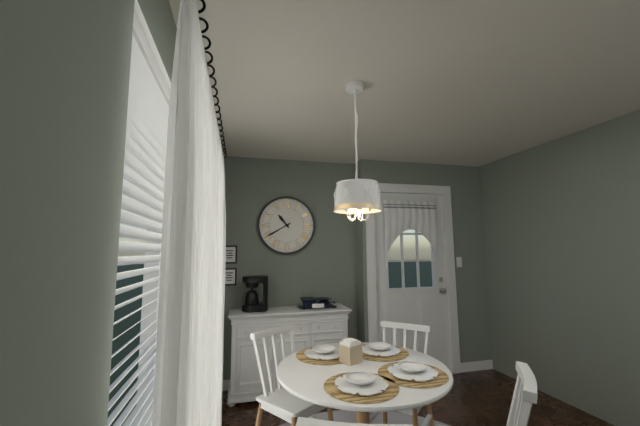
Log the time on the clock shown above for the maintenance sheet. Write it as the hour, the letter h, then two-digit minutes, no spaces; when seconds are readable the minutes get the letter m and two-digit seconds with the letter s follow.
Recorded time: 10h40
